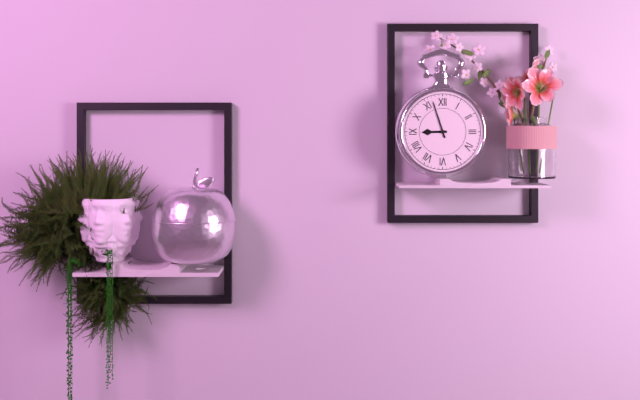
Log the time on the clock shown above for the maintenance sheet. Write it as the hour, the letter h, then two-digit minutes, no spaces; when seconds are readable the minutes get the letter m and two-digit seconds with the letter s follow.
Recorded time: 8h57
